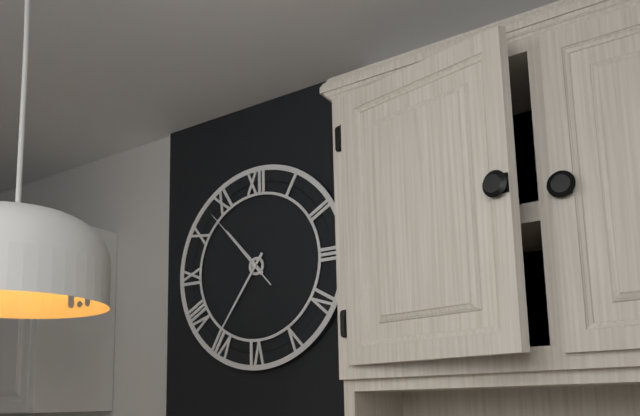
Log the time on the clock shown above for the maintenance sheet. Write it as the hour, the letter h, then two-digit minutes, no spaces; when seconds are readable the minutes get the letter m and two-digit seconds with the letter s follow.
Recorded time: 10h36m53s
